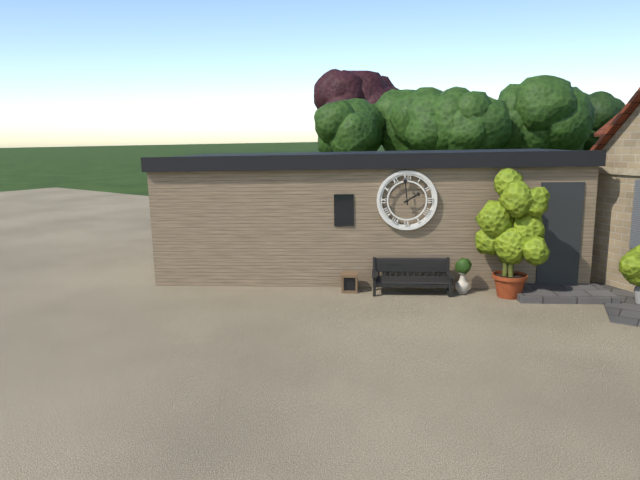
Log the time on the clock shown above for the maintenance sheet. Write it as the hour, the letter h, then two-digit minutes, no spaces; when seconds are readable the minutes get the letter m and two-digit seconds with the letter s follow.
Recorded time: 1h59
